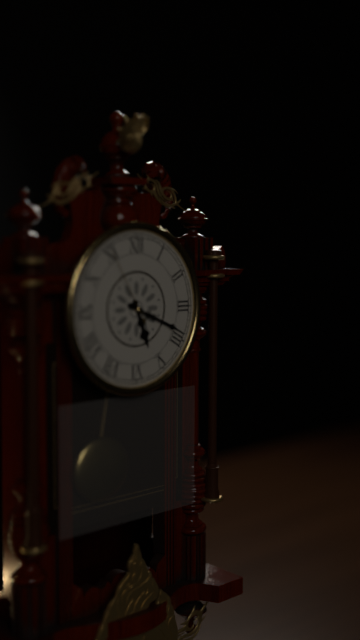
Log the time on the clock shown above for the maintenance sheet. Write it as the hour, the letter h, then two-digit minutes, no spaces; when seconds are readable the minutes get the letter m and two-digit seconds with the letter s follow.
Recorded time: 5h19m55s
